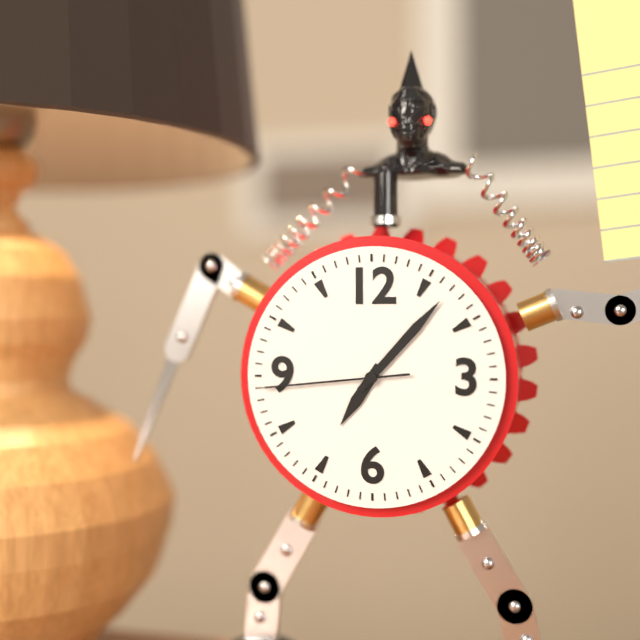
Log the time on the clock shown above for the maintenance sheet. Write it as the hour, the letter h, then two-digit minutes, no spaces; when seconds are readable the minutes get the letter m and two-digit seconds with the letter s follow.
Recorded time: 7h07m44s
